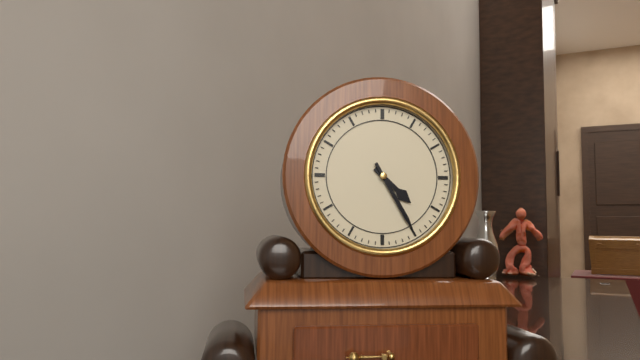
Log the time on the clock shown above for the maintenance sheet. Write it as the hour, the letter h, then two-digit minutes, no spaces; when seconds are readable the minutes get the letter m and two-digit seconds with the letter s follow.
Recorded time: 4h25
